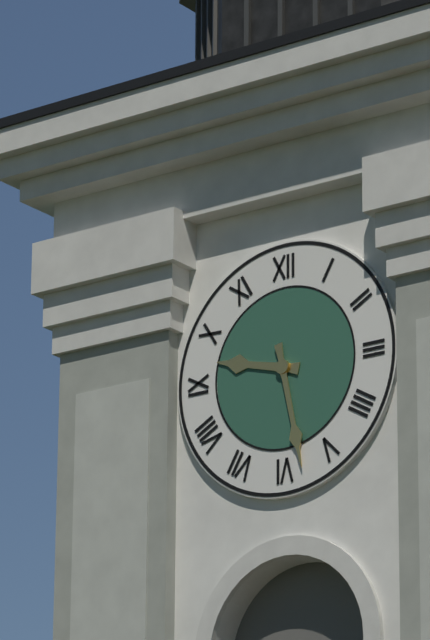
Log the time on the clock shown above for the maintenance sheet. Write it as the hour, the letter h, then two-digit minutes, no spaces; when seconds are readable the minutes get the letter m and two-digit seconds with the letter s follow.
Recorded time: 9h28
